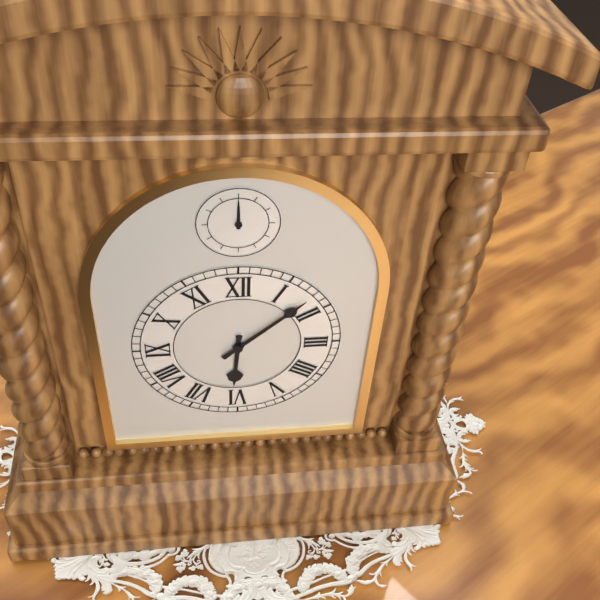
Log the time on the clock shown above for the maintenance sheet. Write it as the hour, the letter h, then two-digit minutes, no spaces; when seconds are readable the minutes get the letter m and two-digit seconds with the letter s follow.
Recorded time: 6h08
